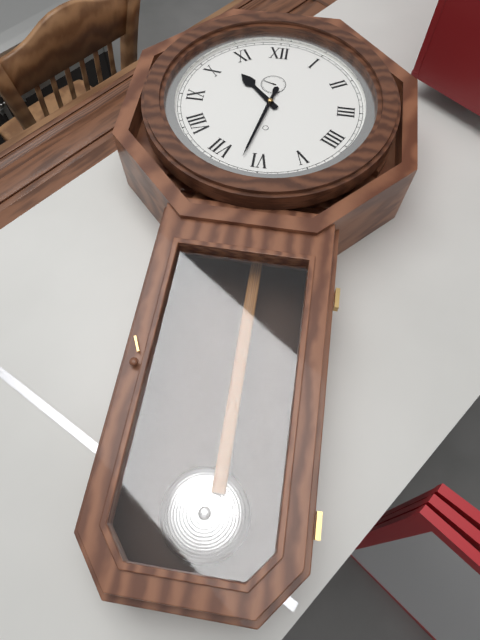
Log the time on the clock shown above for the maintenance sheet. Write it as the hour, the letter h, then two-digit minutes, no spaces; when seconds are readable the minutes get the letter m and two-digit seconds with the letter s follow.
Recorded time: 10h32
